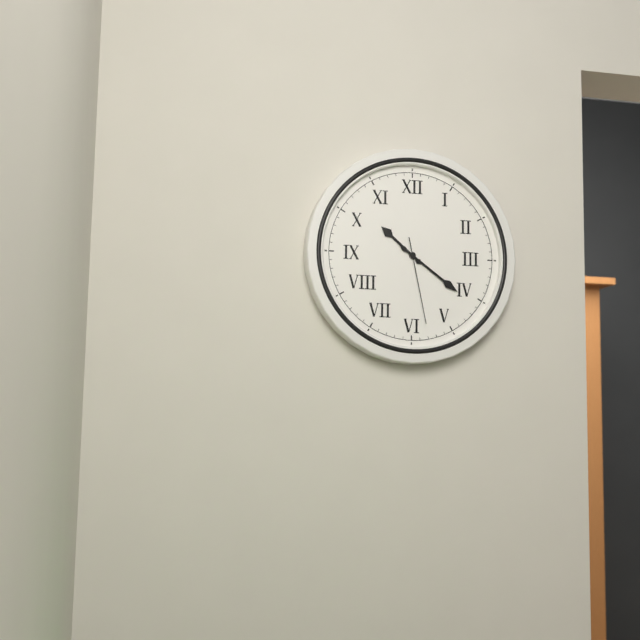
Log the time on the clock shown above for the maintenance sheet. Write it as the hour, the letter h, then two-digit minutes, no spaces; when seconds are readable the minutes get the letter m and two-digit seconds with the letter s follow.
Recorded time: 10h21m28s
